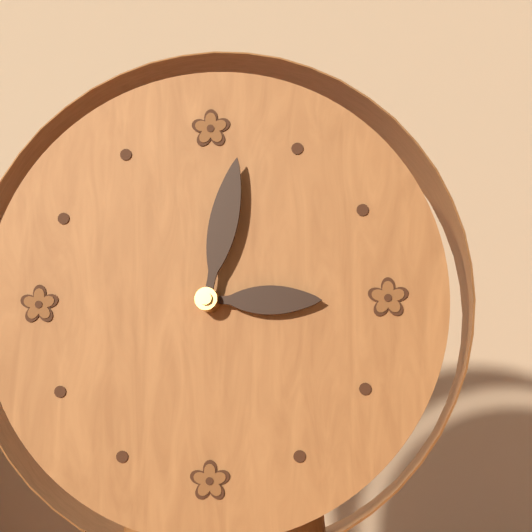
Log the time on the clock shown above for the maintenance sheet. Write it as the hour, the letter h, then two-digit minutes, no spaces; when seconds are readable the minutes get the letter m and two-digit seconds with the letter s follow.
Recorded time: 3h02
